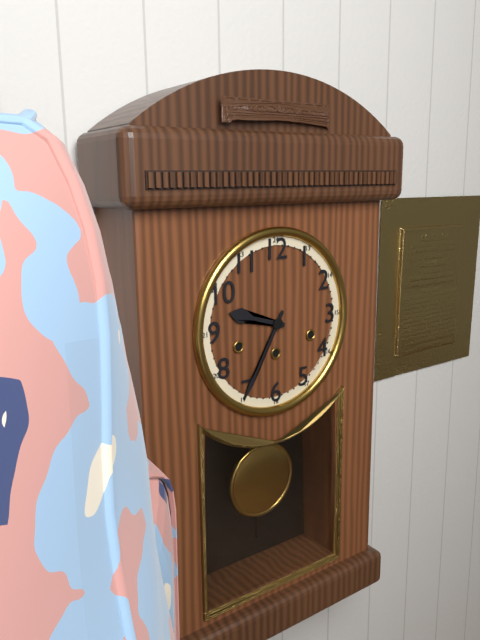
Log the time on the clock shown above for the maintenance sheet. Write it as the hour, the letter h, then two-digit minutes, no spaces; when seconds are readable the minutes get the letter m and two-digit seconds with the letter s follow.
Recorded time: 9h35
